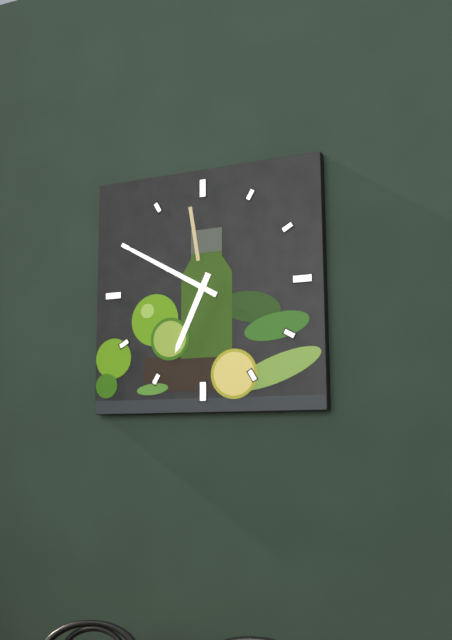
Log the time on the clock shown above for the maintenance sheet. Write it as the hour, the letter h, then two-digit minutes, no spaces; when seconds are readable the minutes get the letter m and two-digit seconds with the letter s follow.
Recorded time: 6h50
